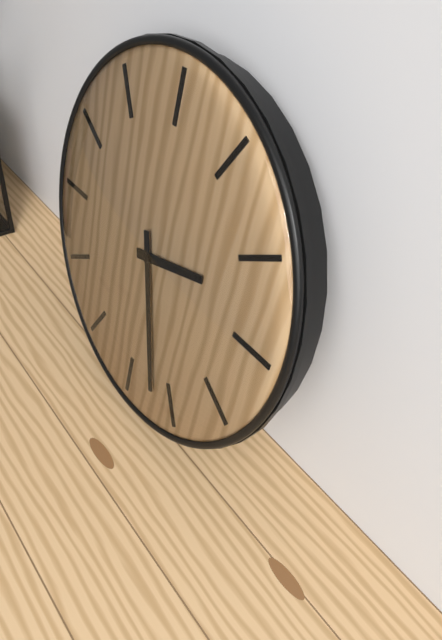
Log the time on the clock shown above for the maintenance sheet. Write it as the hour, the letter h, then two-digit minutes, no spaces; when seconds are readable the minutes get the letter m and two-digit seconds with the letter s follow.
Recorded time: 2h27
